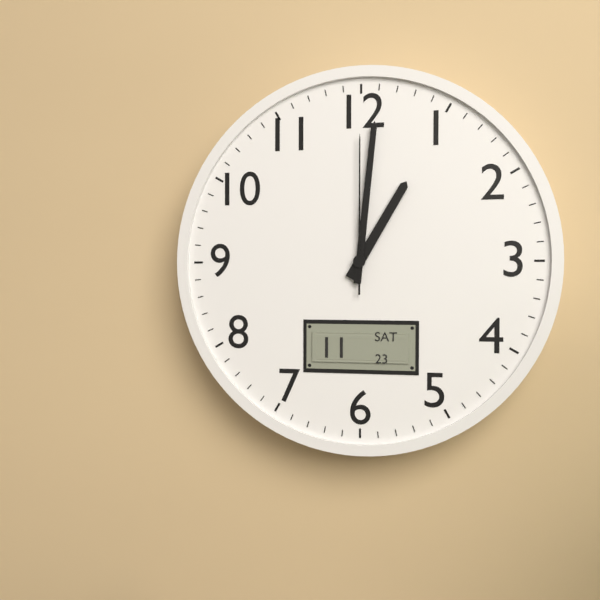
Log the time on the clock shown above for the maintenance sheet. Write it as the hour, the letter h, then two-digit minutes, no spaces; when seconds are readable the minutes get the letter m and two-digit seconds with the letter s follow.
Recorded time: 1h01m00s
